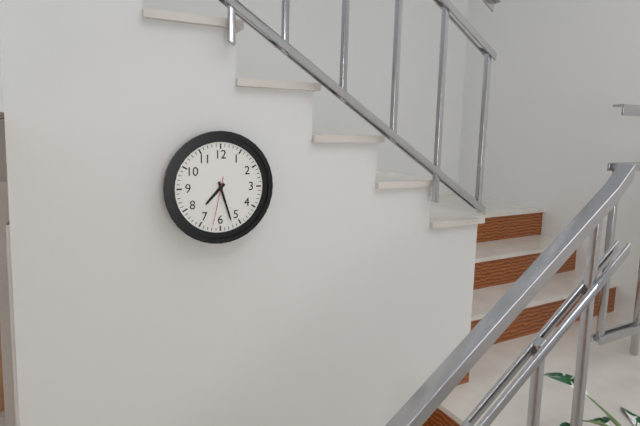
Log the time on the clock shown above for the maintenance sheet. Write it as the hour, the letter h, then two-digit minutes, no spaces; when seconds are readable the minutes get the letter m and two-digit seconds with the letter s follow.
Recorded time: 7h27
